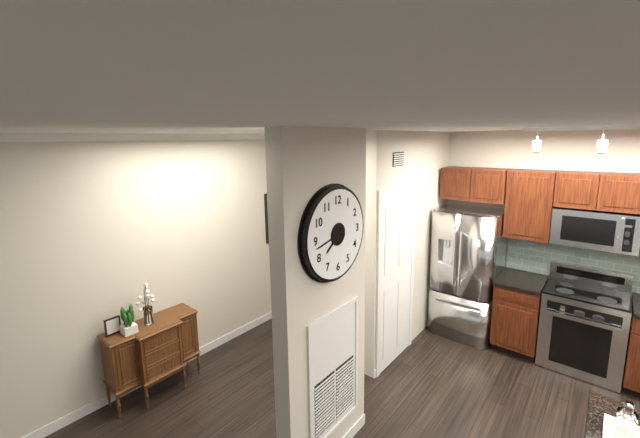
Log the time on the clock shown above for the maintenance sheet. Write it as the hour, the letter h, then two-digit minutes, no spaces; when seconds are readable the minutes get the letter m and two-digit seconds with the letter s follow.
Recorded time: 7h43
